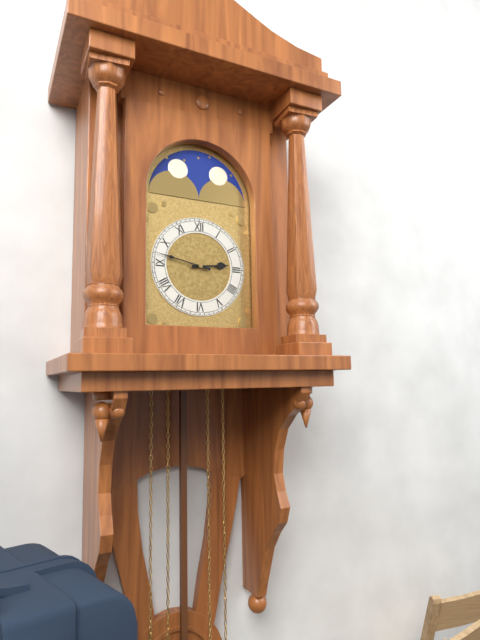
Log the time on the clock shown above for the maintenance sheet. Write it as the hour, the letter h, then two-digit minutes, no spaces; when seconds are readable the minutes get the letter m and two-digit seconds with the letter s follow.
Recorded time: 2h47
